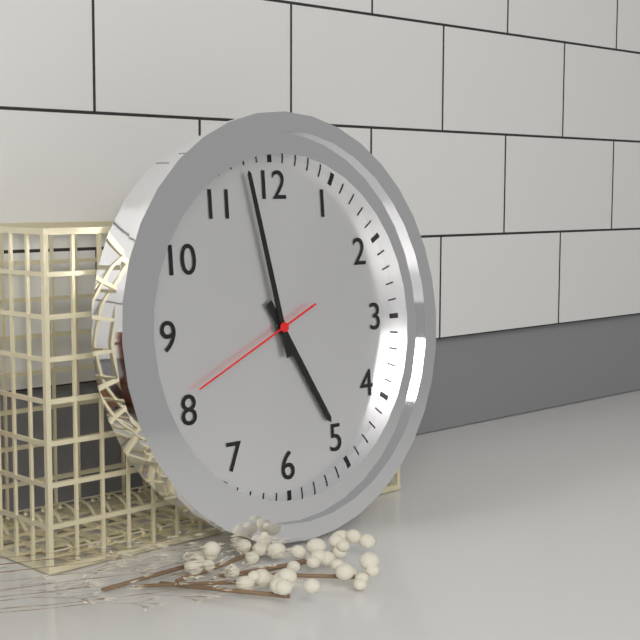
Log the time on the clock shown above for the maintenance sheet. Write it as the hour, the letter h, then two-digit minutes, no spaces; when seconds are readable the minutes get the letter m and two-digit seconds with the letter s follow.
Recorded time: 4h58m41s
